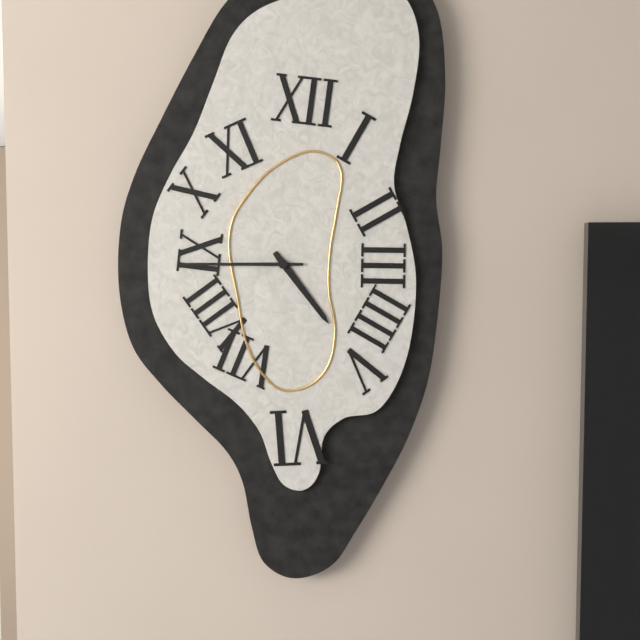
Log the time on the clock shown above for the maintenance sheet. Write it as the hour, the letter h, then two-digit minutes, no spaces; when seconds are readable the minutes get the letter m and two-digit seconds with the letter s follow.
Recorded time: 4h45
